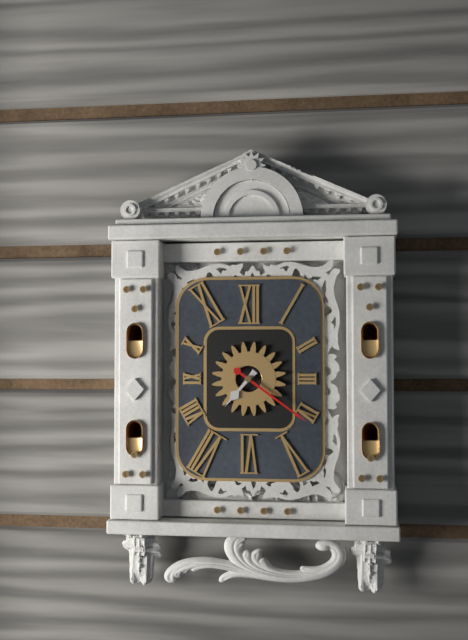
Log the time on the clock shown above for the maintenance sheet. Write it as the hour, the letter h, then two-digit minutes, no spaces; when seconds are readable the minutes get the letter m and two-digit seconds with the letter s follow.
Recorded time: 7h21
